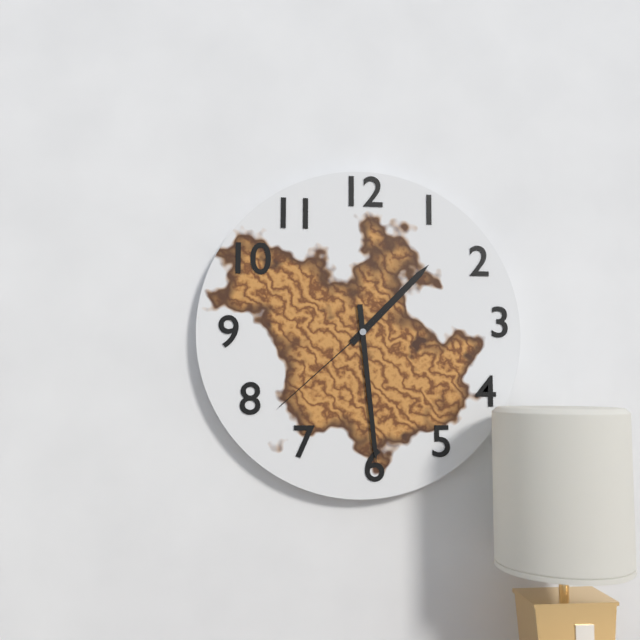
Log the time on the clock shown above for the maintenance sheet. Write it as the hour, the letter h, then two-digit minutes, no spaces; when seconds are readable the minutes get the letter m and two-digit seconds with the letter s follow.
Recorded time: 1h29m38s
